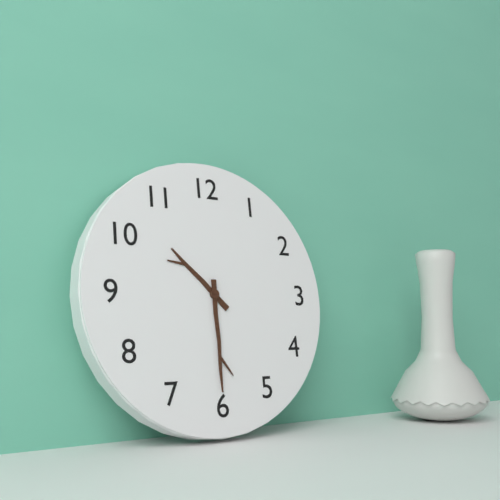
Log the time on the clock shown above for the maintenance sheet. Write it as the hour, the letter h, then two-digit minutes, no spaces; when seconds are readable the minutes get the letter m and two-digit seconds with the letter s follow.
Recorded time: 10h30
